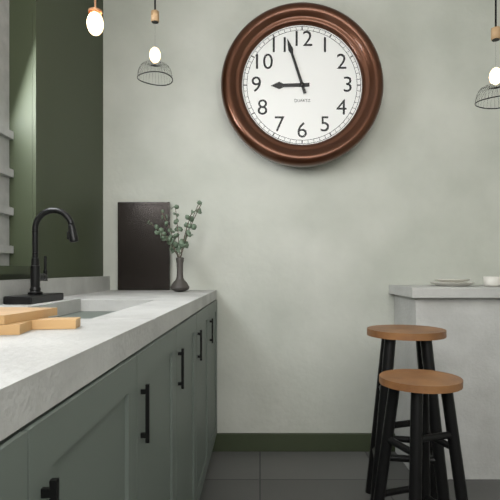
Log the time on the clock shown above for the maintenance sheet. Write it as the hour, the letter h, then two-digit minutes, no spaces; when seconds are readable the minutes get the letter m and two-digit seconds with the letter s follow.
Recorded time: 8h57
